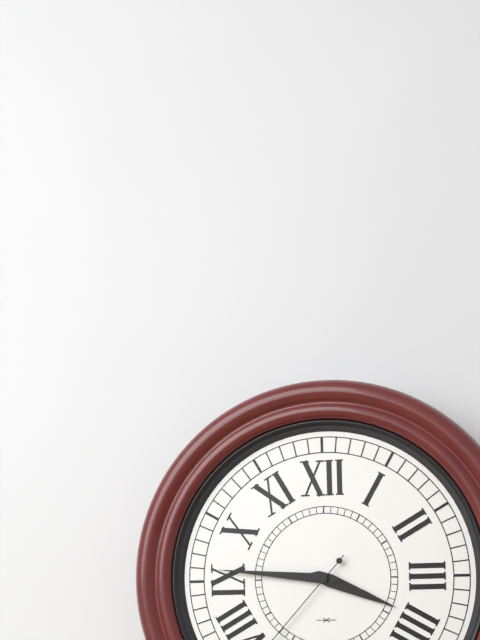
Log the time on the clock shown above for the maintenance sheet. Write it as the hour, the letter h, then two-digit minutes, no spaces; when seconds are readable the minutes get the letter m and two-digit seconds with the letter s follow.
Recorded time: 3h46
